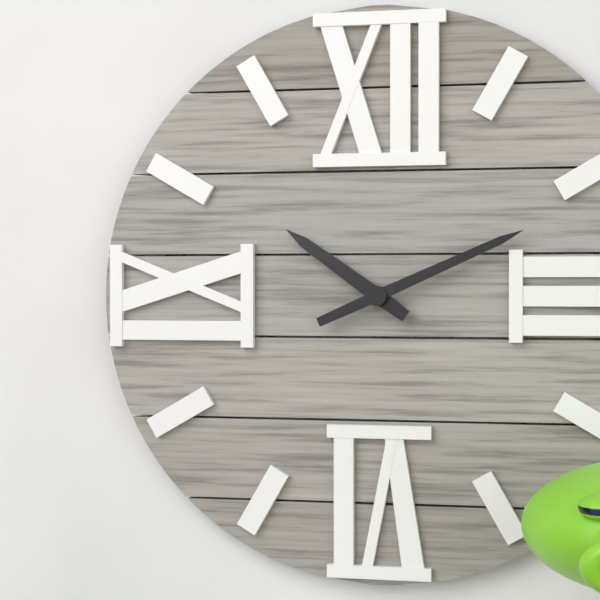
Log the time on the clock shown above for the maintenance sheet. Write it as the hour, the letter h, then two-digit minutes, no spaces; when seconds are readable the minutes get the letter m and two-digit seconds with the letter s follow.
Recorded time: 10h11
